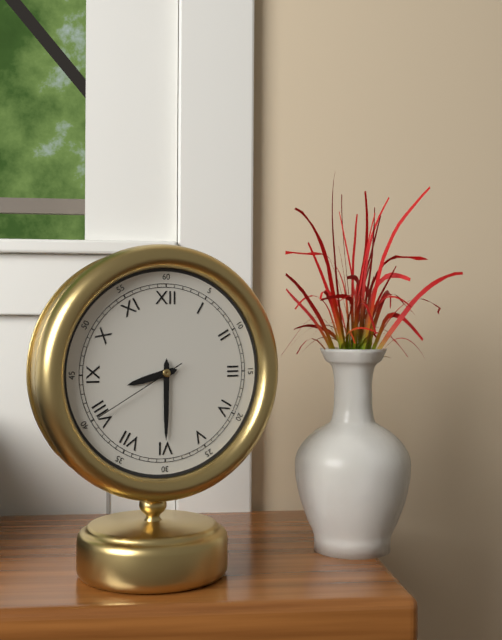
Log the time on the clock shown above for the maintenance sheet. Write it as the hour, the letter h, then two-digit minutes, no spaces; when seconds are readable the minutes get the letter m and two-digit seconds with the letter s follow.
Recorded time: 8h30m40s
